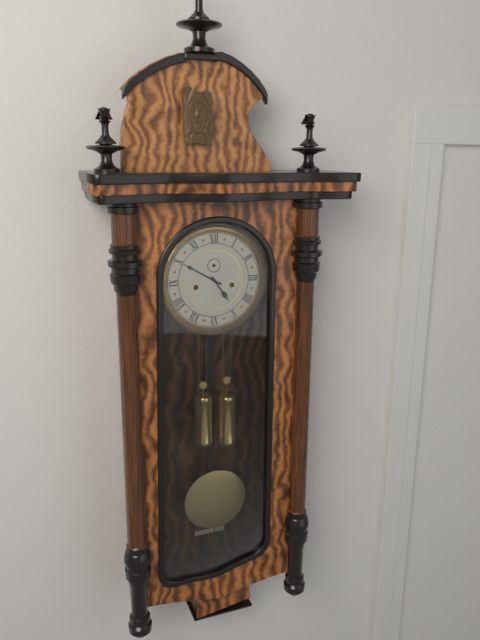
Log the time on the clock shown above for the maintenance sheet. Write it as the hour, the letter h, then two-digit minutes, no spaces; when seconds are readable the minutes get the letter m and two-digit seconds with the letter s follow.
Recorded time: 4h50
